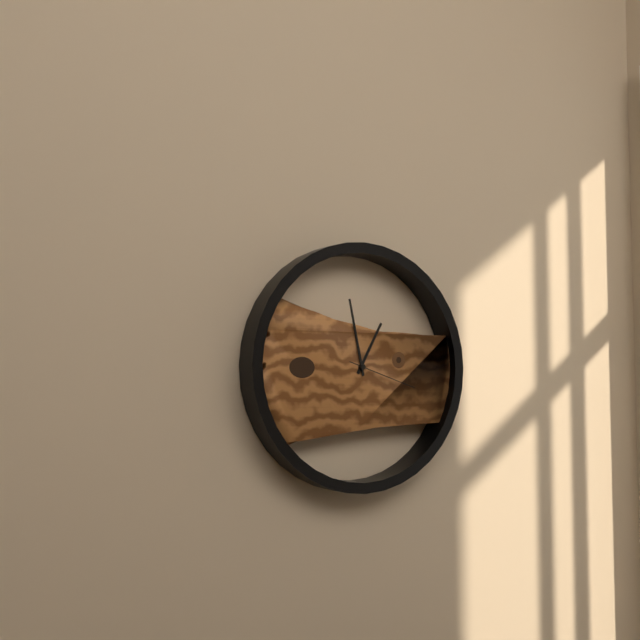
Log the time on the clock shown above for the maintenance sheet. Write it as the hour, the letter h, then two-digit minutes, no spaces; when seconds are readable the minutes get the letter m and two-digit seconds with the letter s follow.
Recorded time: 12h58m18s
